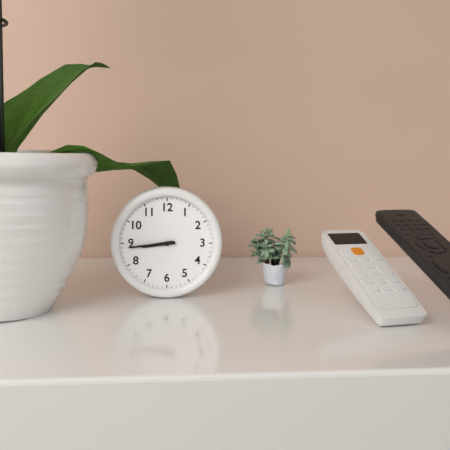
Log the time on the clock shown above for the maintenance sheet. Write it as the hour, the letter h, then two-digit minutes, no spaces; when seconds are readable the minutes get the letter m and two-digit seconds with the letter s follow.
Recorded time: 8h44
